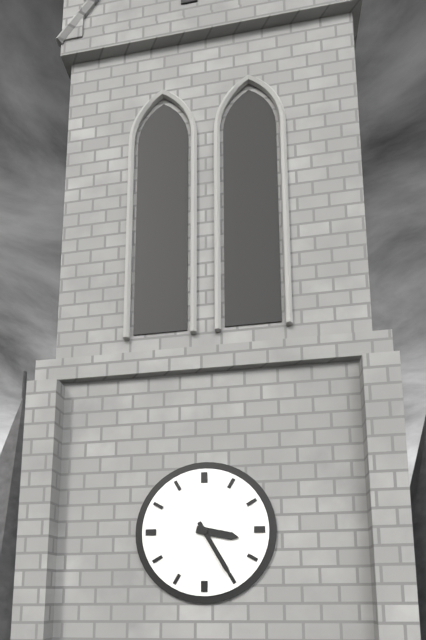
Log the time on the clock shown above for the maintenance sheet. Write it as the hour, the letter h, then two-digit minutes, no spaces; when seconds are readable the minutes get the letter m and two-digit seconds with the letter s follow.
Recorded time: 3h25
